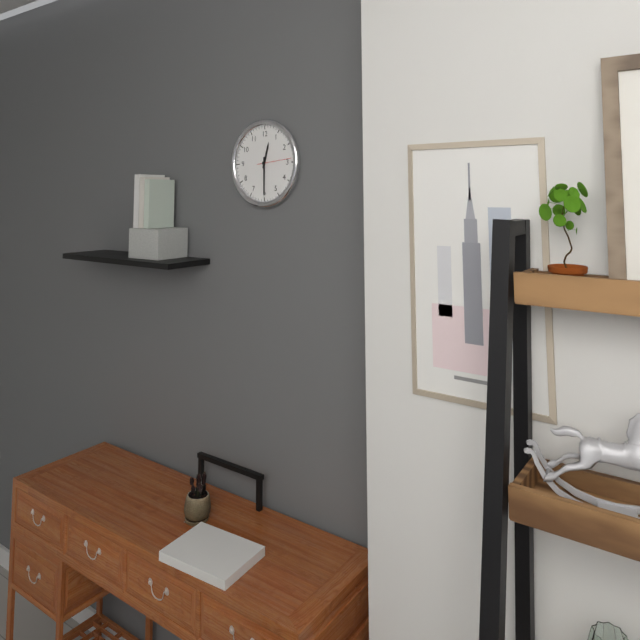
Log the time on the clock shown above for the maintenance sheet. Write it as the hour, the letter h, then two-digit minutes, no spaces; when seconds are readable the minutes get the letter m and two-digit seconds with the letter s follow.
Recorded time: 12h30
